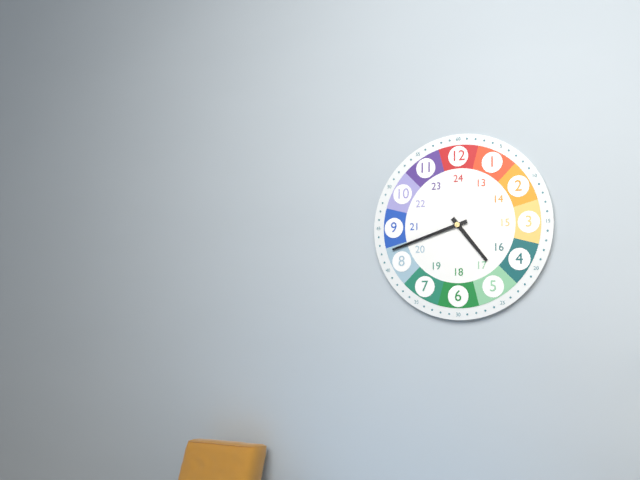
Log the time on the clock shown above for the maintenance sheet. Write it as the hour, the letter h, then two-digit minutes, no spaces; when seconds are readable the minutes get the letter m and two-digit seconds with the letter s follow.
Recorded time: 4h42
